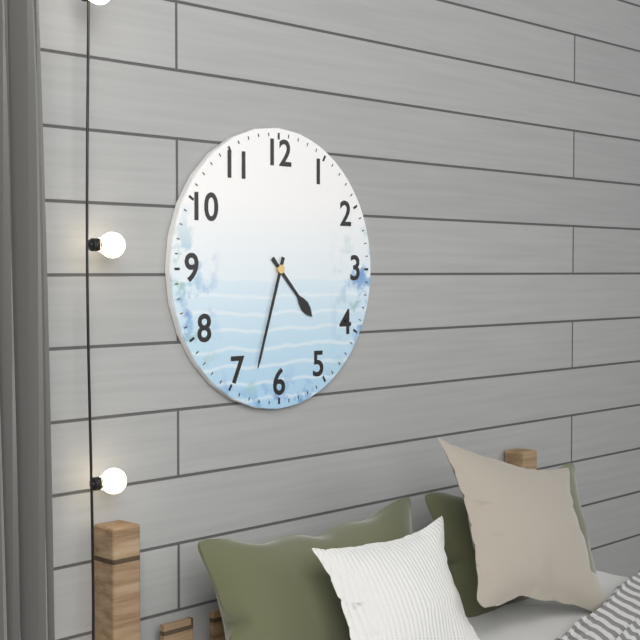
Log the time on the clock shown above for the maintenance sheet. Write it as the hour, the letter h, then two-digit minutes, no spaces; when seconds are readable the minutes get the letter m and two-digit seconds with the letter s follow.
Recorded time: 4h33
